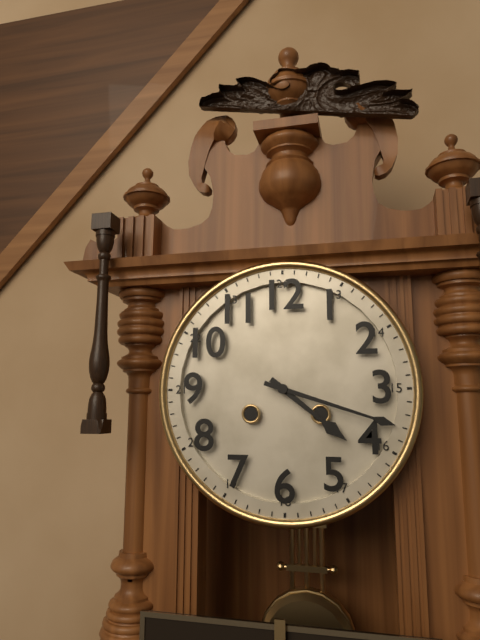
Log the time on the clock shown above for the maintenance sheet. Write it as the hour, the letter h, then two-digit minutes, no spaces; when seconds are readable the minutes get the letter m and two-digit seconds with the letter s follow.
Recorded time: 4h18
